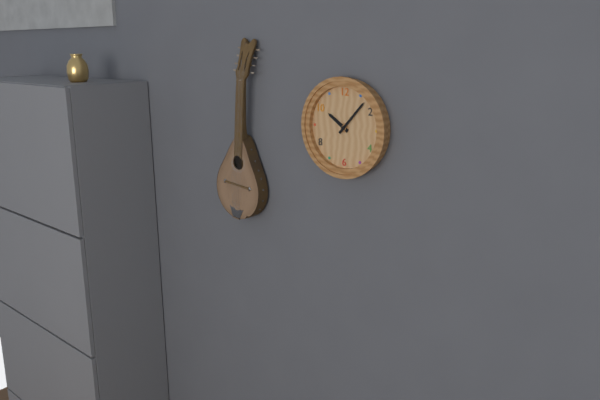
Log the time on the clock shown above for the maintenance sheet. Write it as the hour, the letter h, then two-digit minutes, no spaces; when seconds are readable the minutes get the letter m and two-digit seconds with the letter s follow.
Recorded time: 10h07
